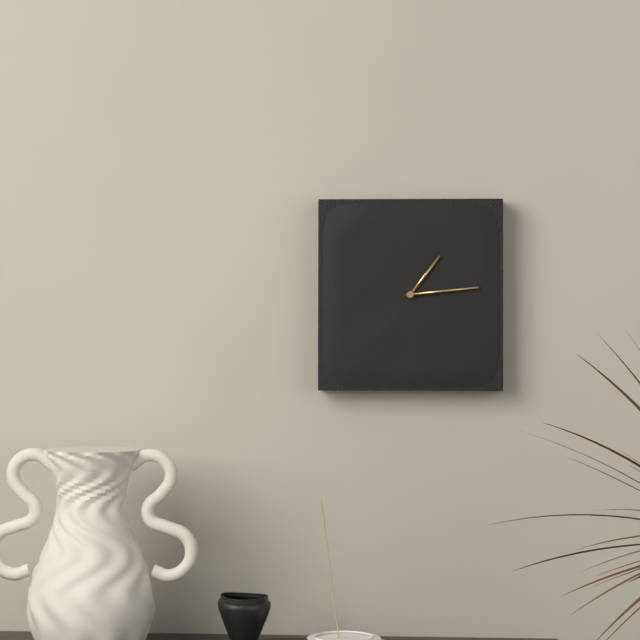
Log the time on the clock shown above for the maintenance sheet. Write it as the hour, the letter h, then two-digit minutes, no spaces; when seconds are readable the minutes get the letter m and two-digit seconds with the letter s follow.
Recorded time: 1h14
